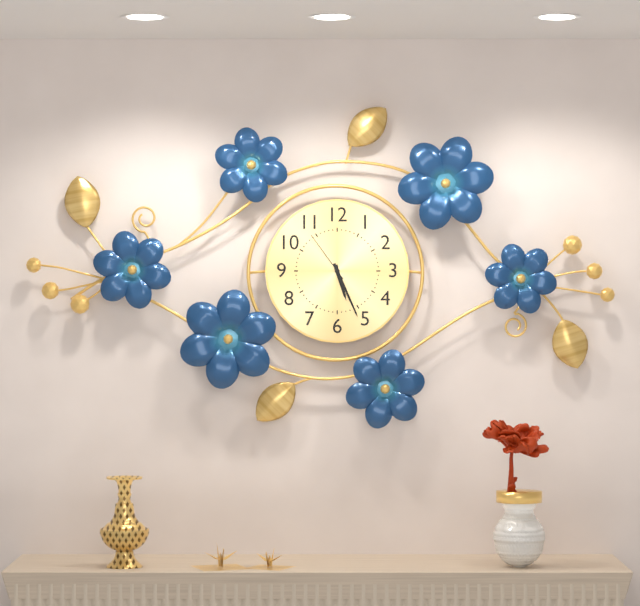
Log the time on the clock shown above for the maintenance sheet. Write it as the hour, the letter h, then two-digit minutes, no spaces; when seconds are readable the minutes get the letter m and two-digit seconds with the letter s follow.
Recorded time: 5h26m54s
